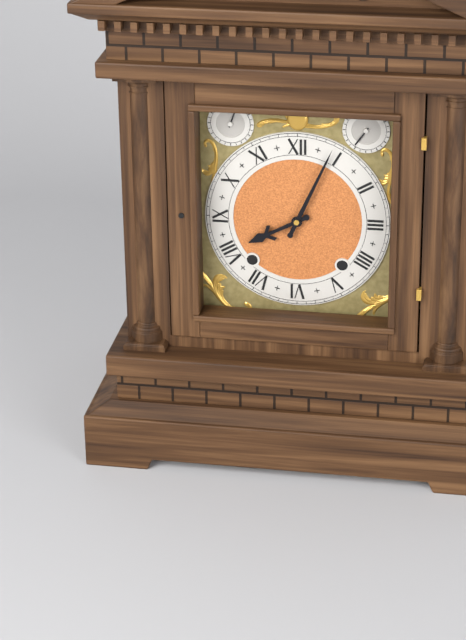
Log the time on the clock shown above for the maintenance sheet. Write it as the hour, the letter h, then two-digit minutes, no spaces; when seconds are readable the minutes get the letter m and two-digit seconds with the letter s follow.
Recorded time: 8h04
